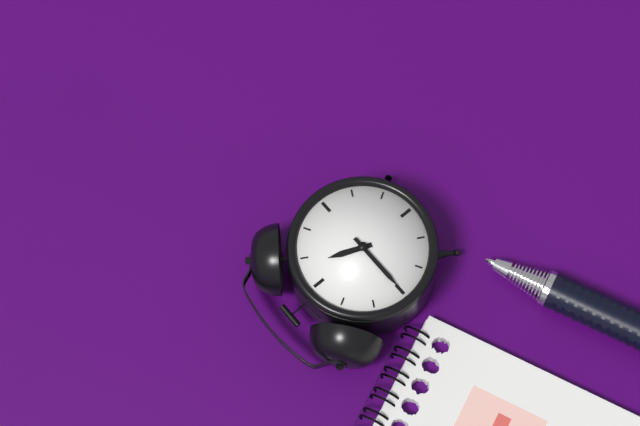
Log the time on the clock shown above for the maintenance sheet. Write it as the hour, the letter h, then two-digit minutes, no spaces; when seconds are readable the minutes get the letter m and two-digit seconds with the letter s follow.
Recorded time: 12h45
